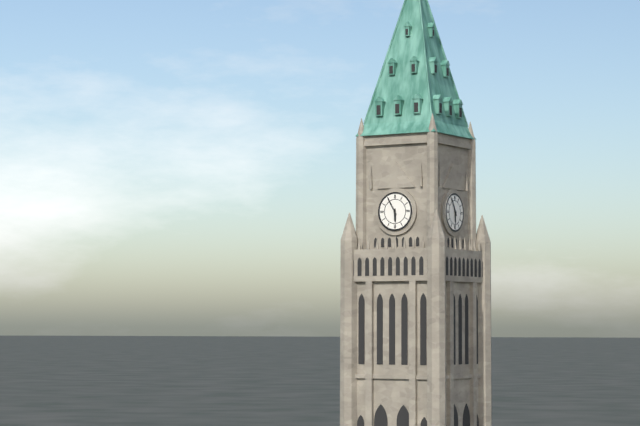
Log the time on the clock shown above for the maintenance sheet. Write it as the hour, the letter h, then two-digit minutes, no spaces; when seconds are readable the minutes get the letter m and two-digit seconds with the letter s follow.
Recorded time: 5h55
